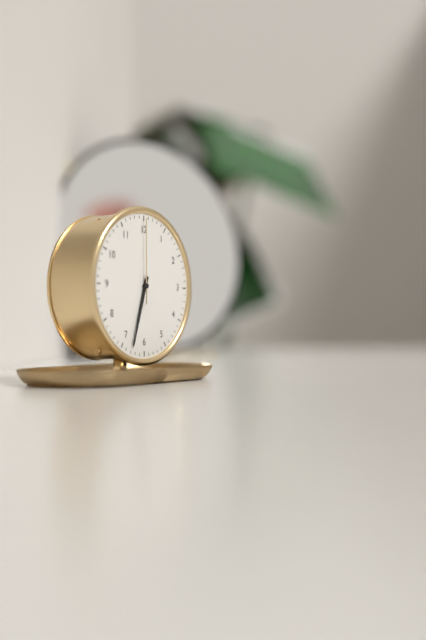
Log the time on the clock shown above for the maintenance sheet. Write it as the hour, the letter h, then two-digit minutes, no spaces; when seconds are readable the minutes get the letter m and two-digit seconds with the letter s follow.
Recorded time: 6h33m00s
